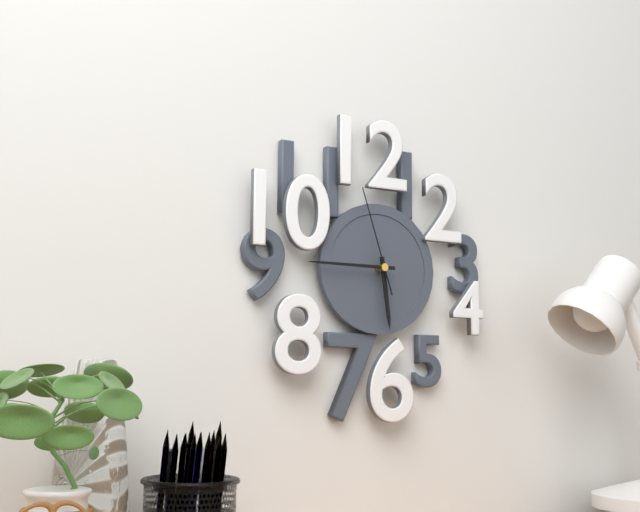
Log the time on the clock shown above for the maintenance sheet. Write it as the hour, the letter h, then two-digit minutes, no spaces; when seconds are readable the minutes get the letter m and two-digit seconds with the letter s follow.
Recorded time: 5h45m57s
